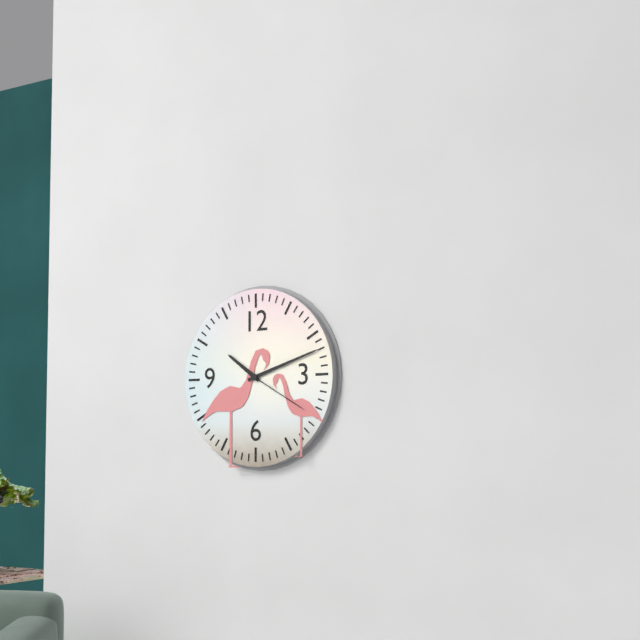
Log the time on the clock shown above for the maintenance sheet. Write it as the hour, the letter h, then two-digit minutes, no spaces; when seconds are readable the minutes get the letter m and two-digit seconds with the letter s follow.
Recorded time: 10h12m20s
